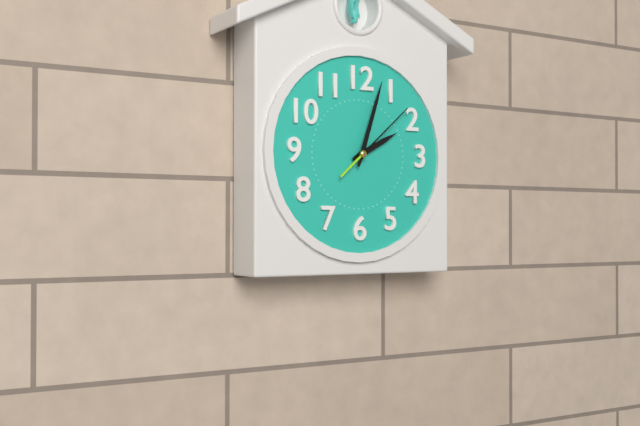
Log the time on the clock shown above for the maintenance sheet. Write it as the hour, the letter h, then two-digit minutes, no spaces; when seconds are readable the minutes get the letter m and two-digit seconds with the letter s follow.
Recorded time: 2h03m08s
